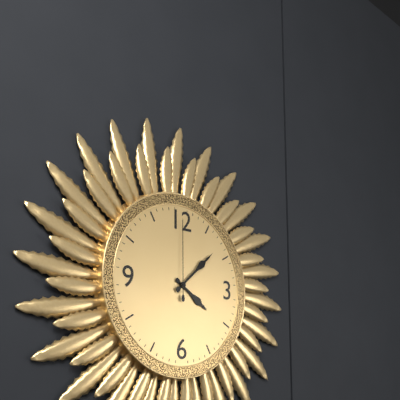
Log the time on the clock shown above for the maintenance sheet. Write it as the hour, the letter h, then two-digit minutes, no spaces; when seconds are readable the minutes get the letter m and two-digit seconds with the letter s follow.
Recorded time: 4h08m00s
